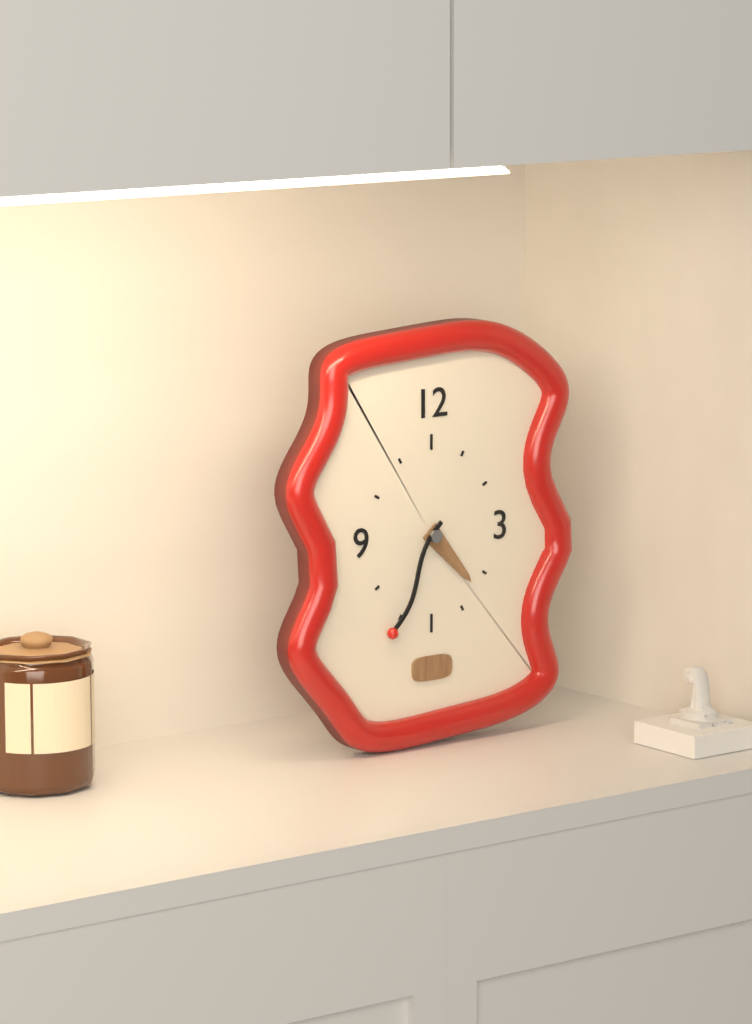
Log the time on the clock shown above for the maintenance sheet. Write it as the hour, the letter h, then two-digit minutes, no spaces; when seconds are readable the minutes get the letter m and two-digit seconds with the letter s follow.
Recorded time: 4h35
